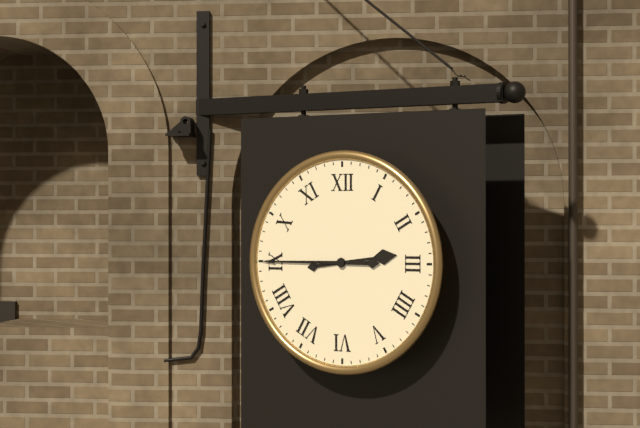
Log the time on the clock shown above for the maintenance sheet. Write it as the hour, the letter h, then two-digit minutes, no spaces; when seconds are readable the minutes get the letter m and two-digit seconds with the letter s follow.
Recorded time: 2h45
